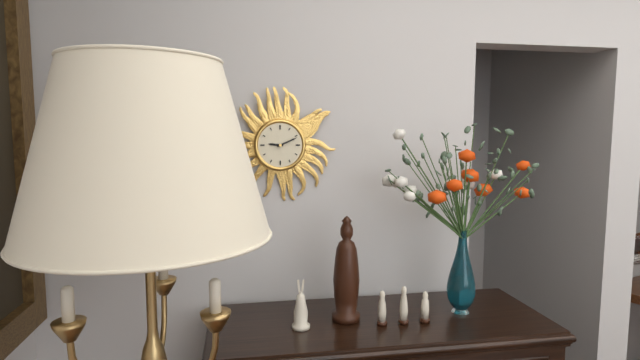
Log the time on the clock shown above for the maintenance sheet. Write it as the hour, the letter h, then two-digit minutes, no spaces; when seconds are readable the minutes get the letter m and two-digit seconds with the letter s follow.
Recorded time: 9h11
